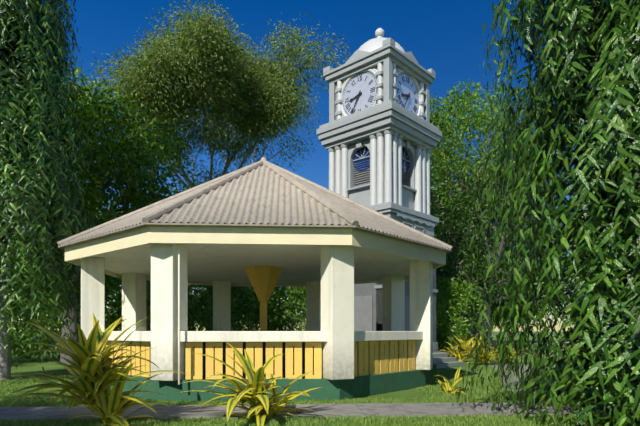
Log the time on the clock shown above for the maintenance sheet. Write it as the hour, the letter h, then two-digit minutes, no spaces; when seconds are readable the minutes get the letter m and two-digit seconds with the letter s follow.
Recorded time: 8h35
